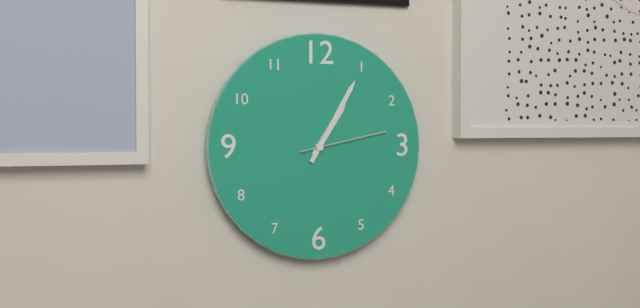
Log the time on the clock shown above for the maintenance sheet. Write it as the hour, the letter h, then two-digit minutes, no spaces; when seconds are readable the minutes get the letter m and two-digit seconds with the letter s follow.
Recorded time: 1h05m13s
